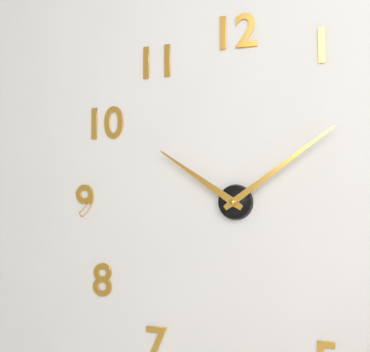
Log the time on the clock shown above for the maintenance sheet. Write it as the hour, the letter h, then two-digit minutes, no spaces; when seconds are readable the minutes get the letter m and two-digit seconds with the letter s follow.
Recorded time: 10h09
